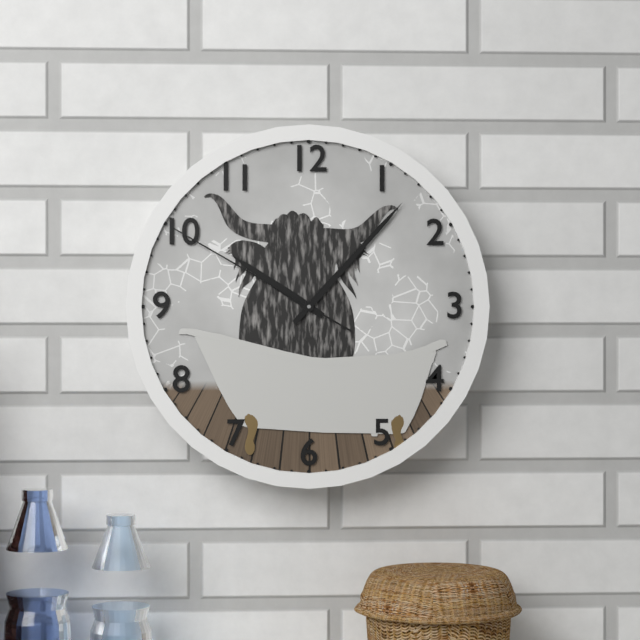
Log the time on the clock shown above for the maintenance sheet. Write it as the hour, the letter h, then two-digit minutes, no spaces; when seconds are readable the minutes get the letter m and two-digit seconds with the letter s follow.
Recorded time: 10h07m50s
